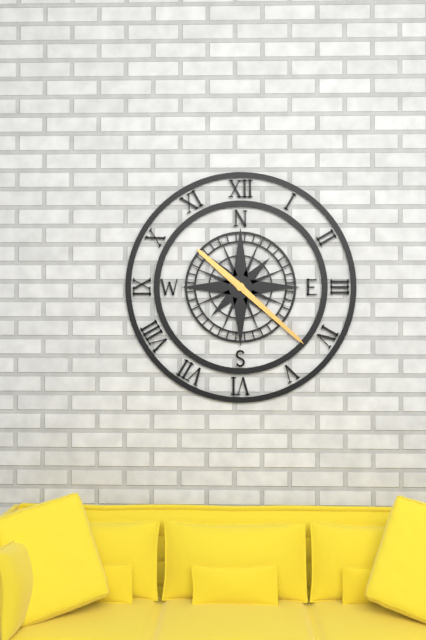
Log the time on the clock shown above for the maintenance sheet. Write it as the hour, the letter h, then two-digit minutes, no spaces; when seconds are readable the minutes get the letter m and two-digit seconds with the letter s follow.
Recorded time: 10h22
